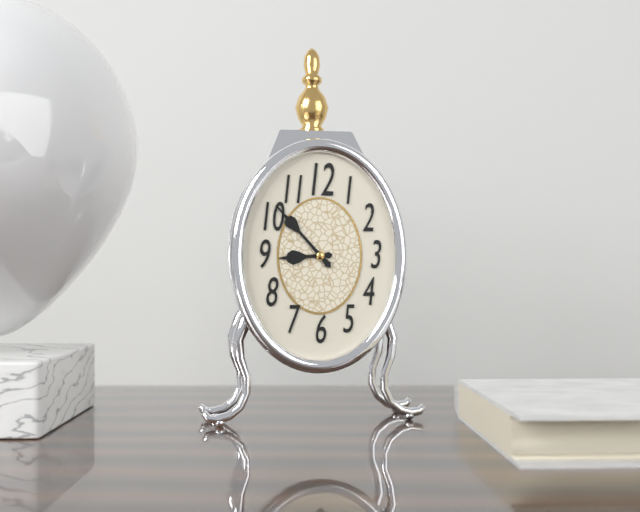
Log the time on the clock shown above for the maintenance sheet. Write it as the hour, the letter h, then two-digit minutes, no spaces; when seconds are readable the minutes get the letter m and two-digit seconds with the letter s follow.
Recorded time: 8h53
